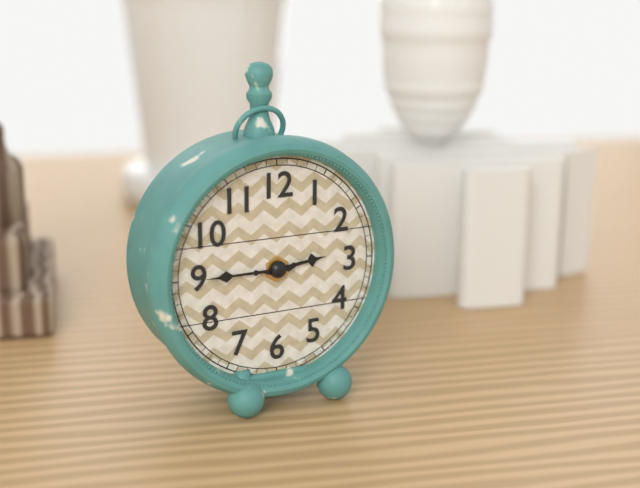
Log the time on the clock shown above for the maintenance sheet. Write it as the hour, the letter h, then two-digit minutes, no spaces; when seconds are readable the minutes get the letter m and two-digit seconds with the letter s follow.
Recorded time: 2h45
